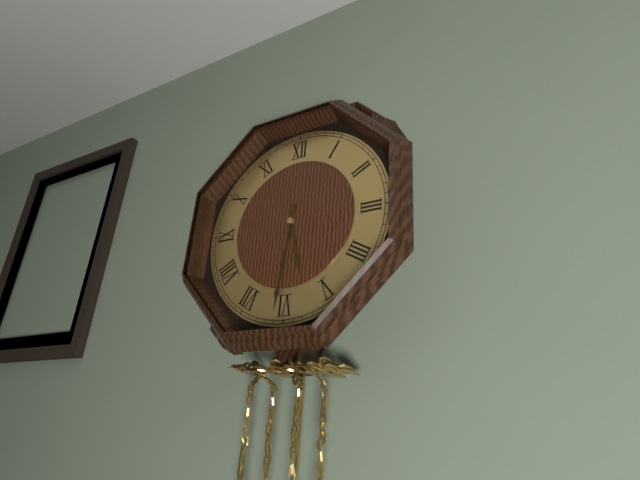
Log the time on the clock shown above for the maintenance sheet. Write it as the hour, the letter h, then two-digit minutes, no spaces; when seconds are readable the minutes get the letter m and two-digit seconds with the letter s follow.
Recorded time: 5h31
